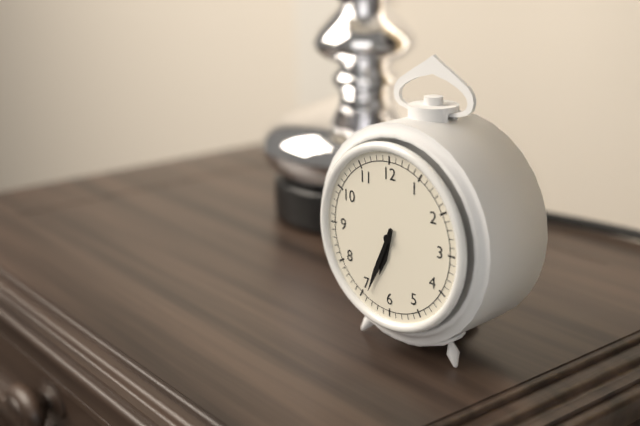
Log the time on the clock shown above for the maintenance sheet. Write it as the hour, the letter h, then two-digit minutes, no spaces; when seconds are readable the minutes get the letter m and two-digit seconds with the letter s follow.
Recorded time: 6h34
